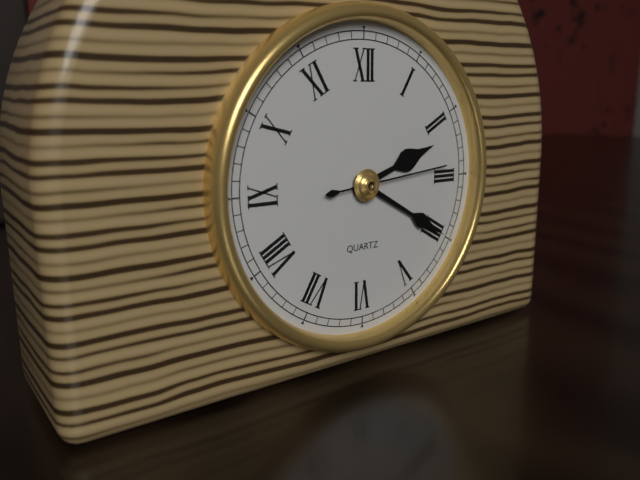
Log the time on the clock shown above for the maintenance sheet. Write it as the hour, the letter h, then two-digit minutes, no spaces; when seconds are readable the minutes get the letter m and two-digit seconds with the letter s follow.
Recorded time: 2h20m14s
